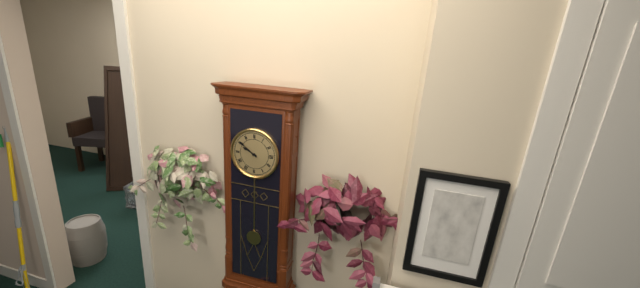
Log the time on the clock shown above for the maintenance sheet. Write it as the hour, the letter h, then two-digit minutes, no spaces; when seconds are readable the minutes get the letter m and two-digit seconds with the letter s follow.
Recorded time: 9h51
